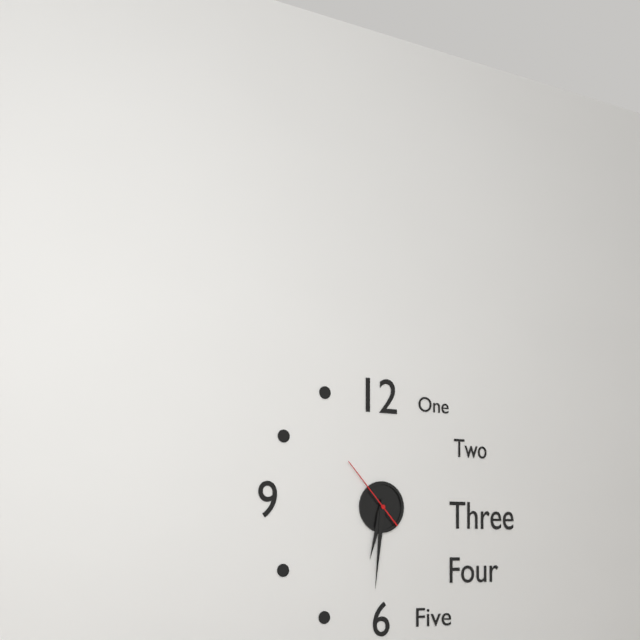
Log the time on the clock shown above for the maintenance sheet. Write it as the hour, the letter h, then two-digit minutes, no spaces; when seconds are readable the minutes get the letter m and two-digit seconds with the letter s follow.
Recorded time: 6h31m53s
